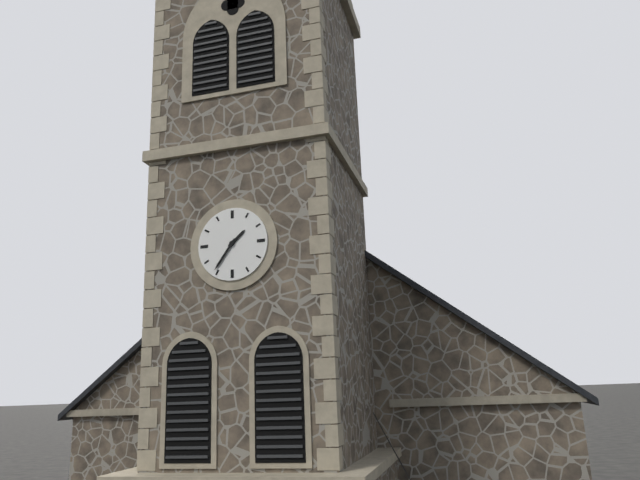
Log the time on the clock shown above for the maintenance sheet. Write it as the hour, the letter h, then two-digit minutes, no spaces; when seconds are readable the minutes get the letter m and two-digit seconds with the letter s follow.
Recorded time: 1h36
